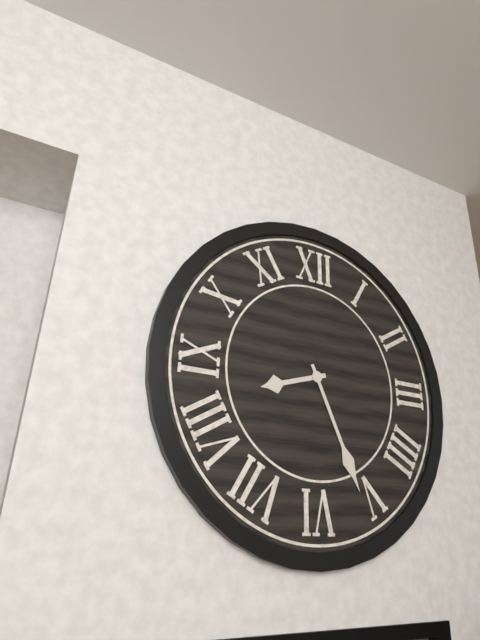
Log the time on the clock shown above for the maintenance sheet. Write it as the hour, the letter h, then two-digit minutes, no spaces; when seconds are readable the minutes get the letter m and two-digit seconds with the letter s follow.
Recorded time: 8h26
